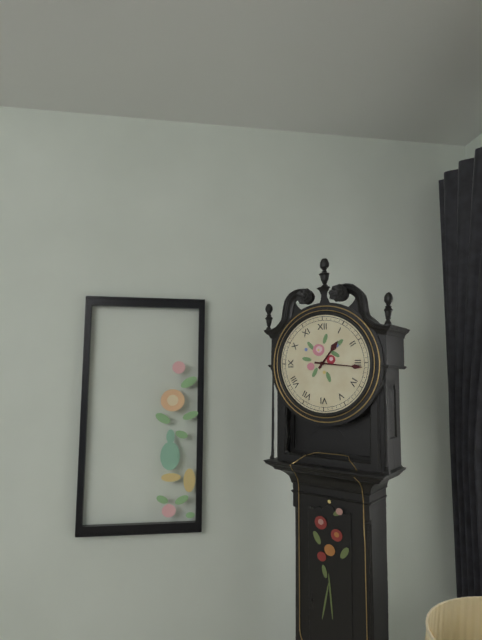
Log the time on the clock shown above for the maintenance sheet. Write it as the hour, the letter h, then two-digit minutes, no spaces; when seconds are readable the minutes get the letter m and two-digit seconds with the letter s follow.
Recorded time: 1h16
